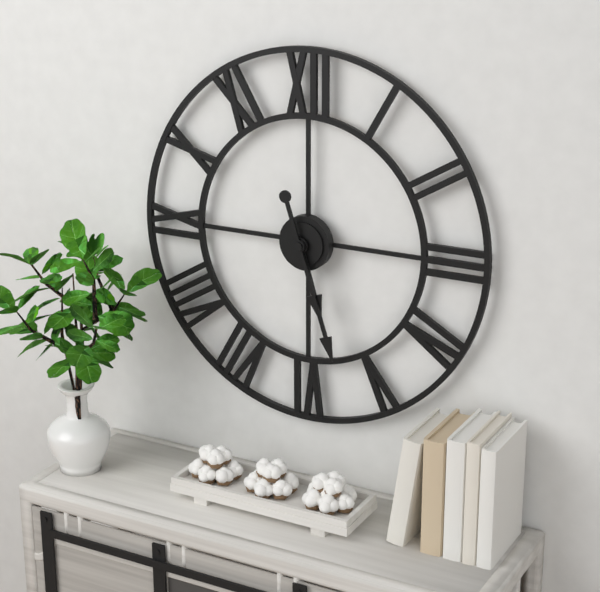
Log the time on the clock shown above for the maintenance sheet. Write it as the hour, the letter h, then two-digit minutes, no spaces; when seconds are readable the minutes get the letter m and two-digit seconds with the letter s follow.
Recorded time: 5h27
